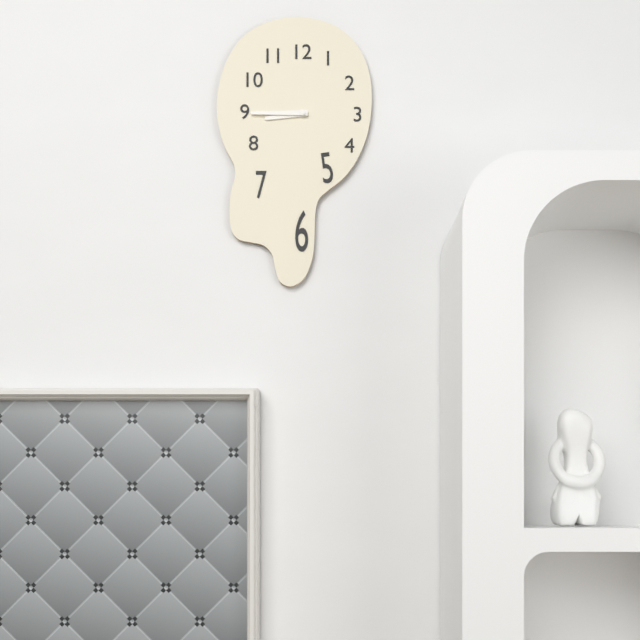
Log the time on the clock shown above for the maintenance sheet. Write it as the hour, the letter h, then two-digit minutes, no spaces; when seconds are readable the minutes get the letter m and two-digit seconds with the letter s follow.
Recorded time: 8h45
